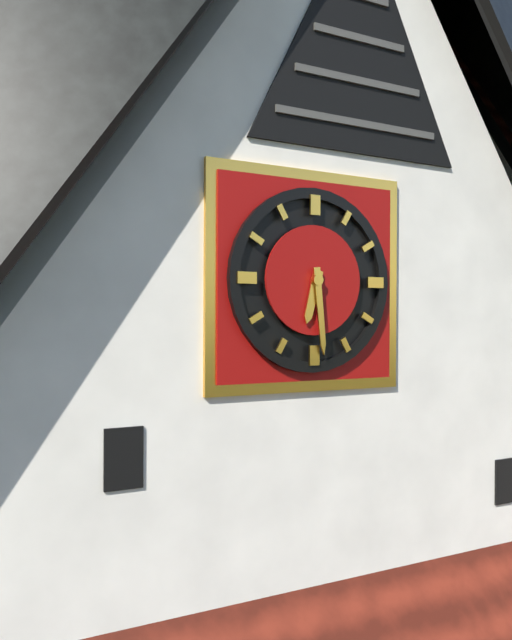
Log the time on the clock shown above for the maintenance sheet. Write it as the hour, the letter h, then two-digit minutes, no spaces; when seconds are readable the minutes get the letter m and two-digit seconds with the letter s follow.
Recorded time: 6h29
